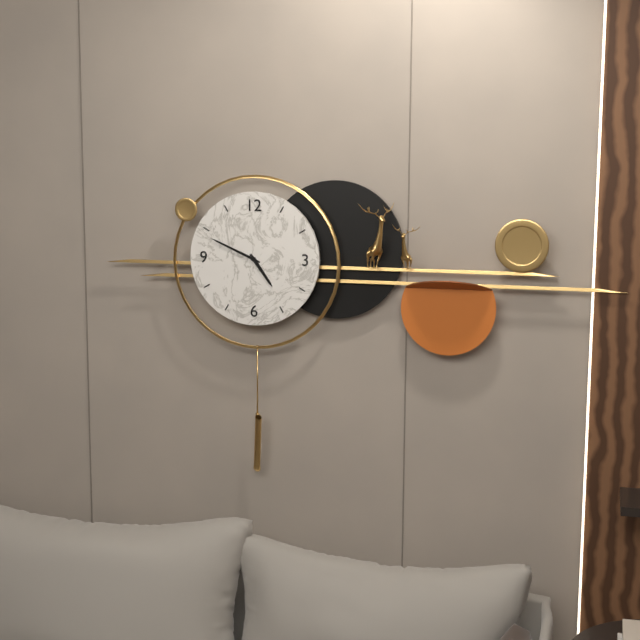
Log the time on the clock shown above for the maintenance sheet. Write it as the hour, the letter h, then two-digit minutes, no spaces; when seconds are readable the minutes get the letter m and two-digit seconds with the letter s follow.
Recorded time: 4h49
